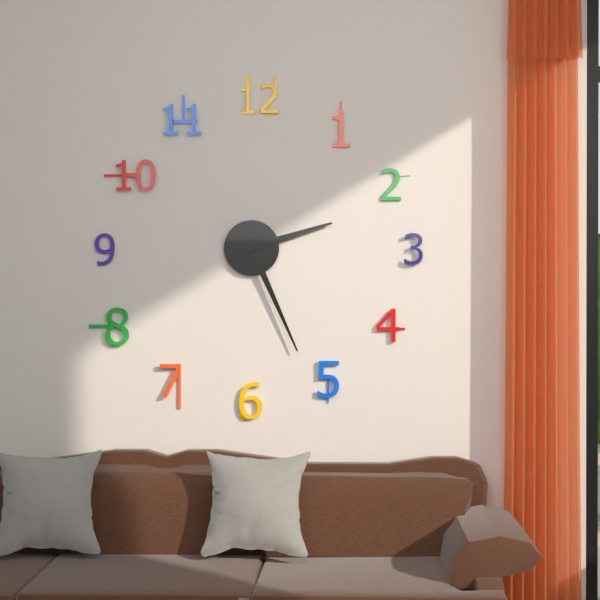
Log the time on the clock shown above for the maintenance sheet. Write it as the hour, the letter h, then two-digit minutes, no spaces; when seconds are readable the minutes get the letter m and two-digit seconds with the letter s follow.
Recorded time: 2h26
